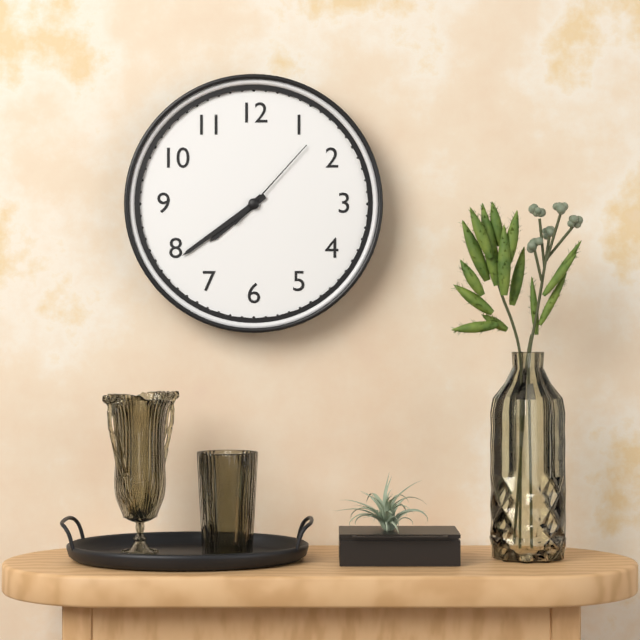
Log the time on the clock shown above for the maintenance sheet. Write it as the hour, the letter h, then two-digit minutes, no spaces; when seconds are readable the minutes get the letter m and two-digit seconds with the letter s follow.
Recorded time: 7h39m07s
